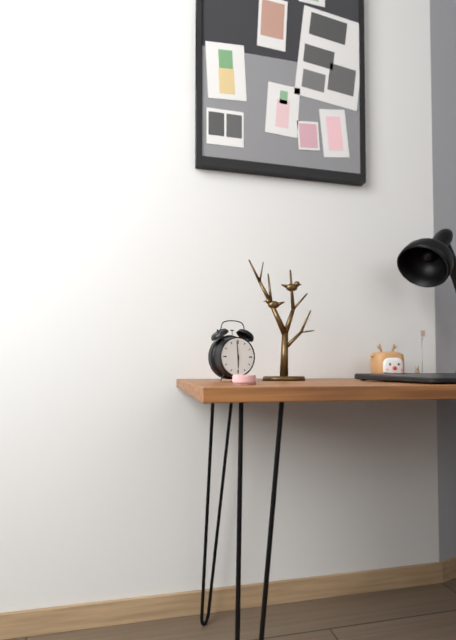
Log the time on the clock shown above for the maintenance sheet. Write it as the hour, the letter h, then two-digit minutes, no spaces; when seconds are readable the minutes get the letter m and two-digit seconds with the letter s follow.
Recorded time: 5h59
